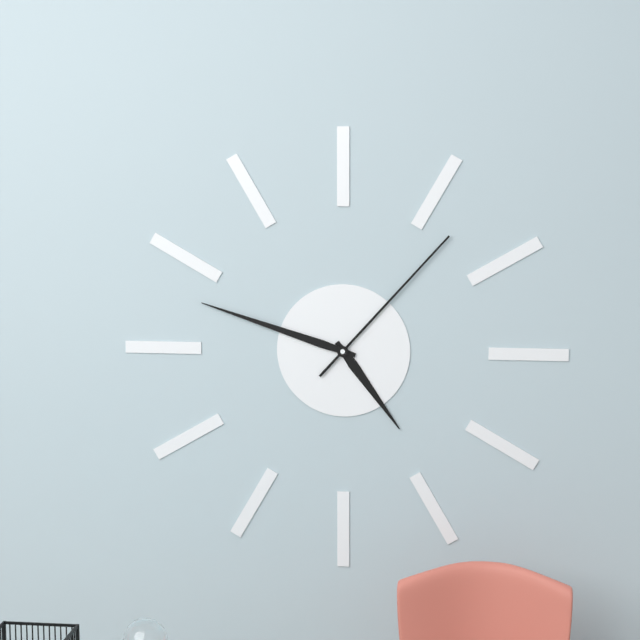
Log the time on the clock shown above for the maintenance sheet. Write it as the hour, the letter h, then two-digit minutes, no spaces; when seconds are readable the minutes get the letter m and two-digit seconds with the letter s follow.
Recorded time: 4h48m07s
